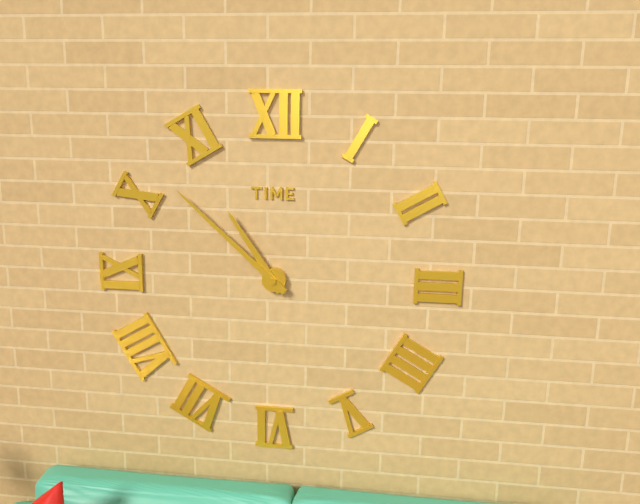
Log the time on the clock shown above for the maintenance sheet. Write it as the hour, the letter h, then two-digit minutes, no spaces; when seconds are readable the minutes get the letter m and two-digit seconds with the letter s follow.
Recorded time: 10h52
